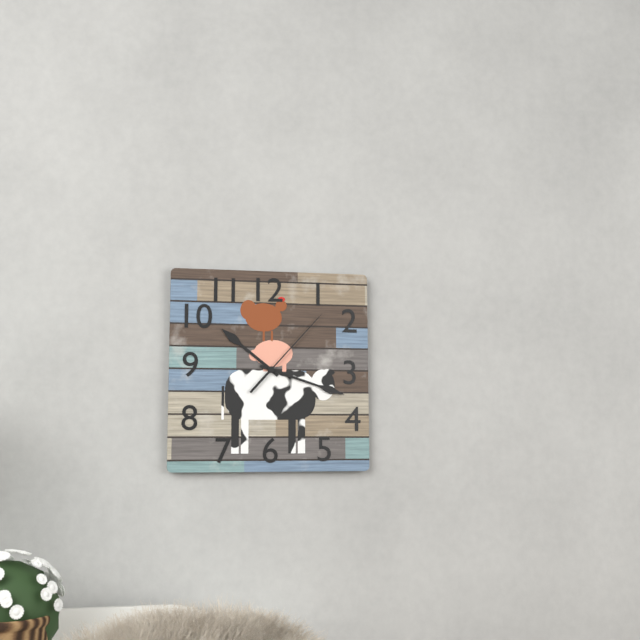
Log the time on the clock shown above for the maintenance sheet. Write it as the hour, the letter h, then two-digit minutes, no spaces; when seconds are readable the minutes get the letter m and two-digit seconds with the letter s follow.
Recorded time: 10h18m07s
